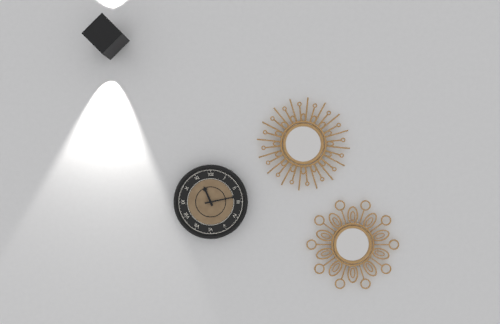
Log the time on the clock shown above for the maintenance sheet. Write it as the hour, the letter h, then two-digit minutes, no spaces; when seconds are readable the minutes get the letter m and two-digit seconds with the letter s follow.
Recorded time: 11h13
